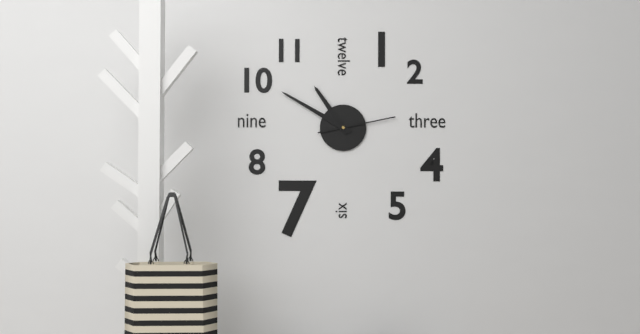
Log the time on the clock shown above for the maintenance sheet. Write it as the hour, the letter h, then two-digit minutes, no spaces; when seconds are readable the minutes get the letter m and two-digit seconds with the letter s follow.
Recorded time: 10h50m13s
